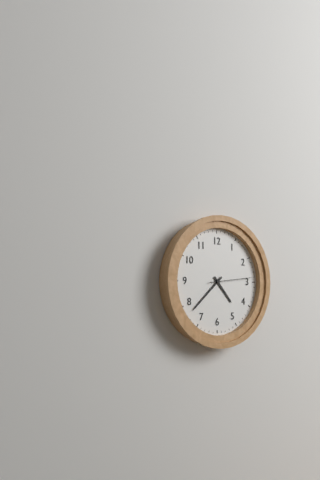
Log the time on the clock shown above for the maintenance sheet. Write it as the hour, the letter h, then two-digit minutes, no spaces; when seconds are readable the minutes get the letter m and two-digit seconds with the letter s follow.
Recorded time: 4h38
